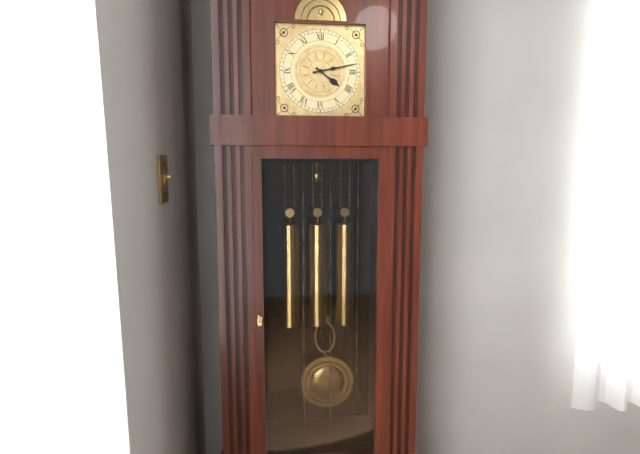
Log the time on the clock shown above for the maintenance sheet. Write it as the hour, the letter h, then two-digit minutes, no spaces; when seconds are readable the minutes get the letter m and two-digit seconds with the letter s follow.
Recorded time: 4h13
